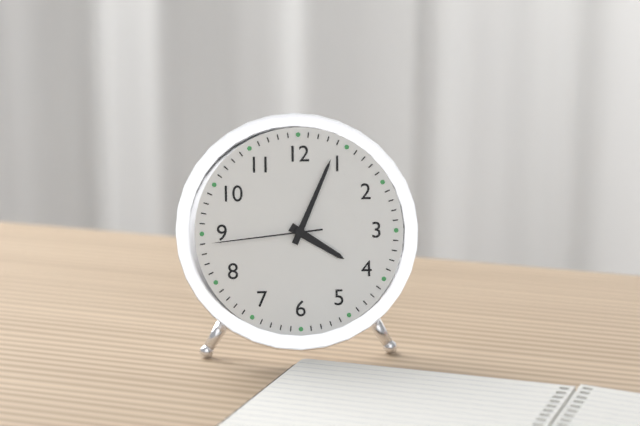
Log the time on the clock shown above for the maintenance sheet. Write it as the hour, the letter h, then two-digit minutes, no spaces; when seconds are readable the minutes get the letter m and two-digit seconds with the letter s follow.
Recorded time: 4h04m44s
